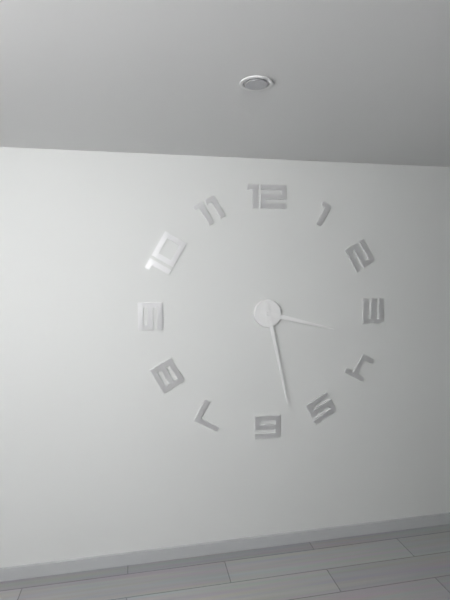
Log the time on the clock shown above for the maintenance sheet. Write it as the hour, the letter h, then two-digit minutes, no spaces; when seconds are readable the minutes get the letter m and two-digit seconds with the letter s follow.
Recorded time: 3h28
